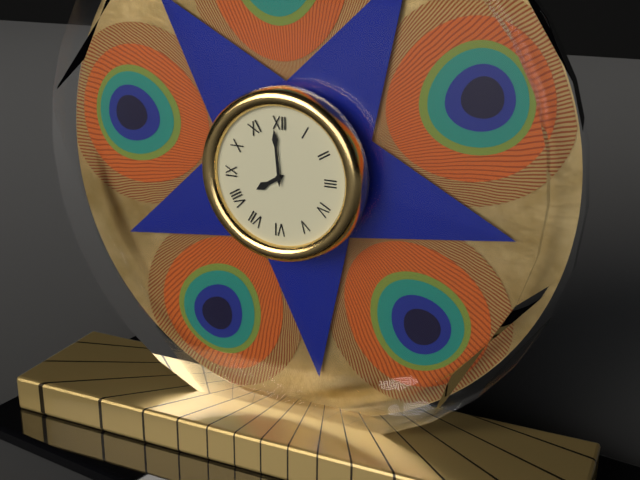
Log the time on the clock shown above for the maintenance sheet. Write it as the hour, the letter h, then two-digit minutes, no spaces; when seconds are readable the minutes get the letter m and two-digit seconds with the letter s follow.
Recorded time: 7h59
